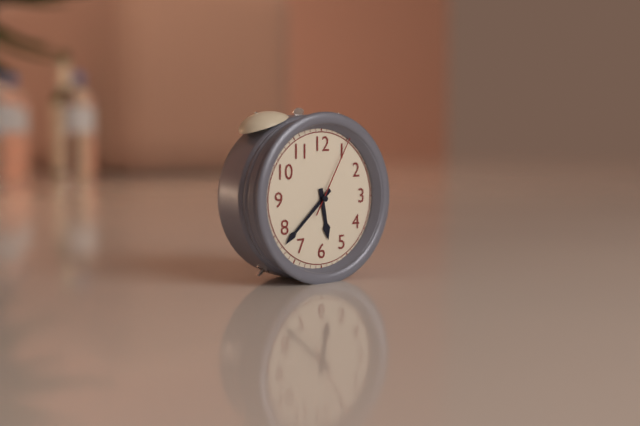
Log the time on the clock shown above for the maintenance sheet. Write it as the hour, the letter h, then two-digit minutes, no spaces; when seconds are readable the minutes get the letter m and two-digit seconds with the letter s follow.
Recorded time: 5h38m05s
